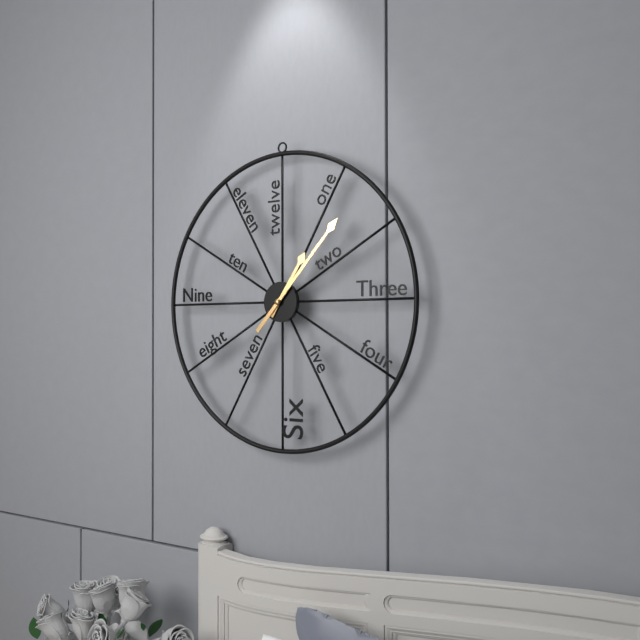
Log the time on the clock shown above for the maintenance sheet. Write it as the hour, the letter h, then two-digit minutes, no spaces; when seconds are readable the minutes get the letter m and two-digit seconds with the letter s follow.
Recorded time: 1h07
